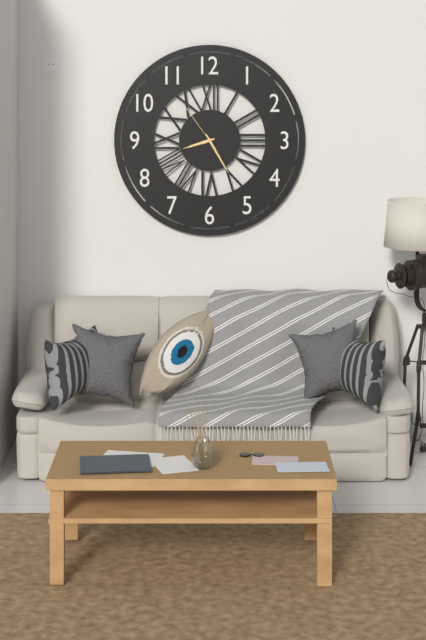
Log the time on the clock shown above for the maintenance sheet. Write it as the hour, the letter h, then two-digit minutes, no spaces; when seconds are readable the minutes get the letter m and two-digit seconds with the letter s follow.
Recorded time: 8h25m54s
